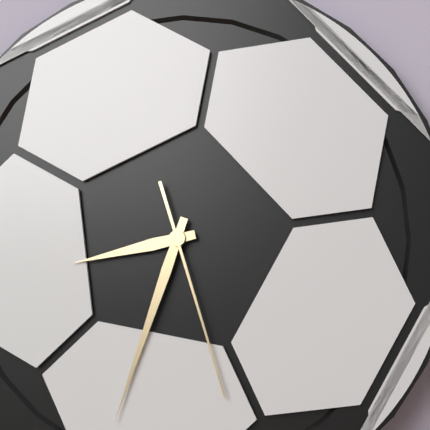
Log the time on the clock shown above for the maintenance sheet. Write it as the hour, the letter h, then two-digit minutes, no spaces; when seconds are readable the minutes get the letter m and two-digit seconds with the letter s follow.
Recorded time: 8h33m27s
